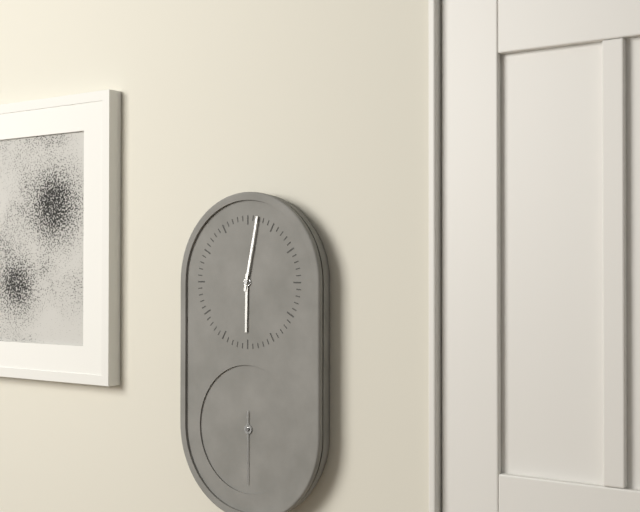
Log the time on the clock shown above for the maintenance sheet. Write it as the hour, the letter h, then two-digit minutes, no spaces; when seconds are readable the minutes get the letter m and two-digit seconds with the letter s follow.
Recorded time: 6h02m30s
